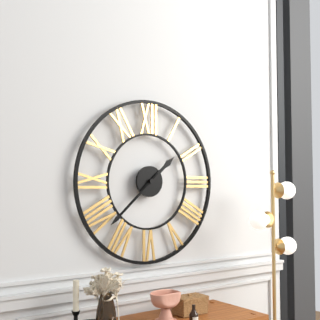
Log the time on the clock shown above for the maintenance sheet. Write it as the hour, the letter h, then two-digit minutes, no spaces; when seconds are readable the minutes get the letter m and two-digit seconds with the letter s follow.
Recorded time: 1h38m38s
